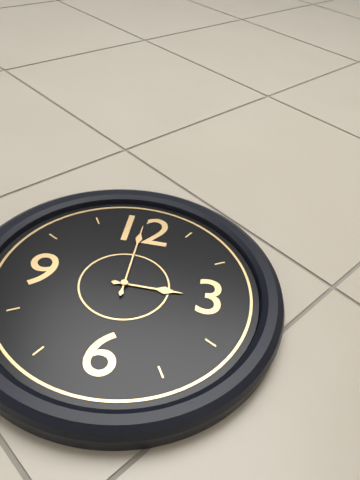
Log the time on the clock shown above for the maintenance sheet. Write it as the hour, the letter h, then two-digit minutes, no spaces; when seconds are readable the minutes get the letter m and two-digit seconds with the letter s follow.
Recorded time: 3h00
